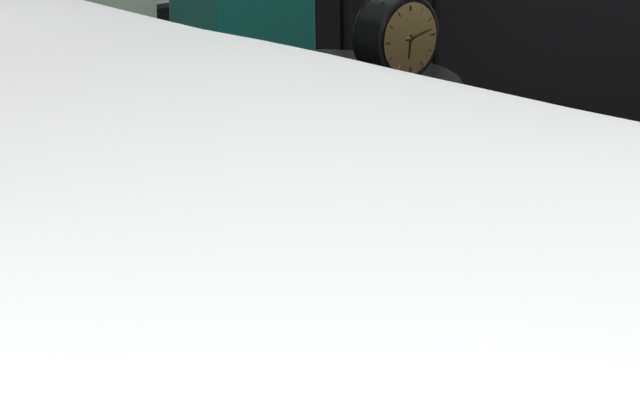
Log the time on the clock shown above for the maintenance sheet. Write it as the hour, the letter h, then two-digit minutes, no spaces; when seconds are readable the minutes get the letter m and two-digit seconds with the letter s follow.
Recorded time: 6h13
